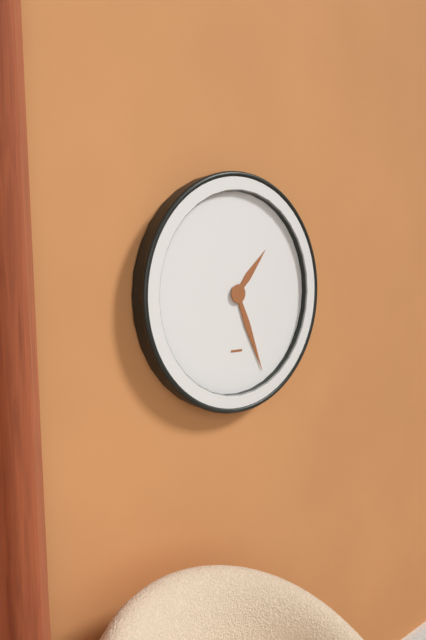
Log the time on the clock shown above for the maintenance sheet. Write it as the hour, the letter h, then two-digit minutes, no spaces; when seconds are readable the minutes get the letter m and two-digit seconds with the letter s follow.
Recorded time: 1h26
